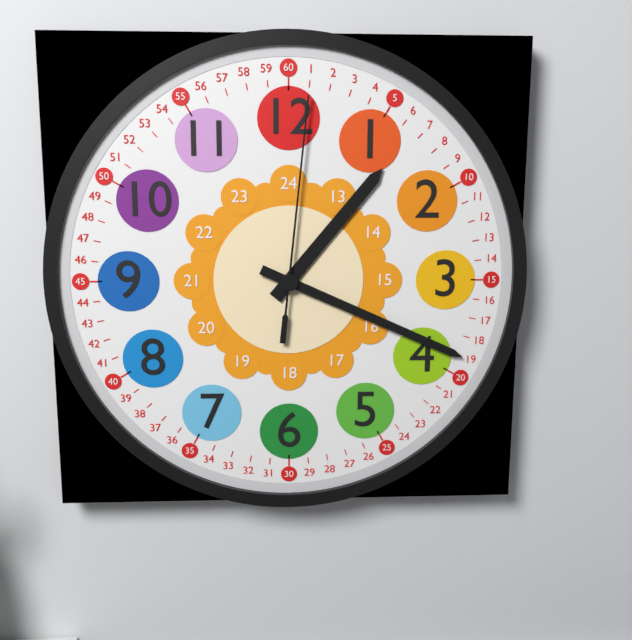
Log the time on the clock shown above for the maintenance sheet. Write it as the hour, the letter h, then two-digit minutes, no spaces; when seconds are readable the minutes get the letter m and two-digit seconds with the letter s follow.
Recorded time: 1h19m01s
